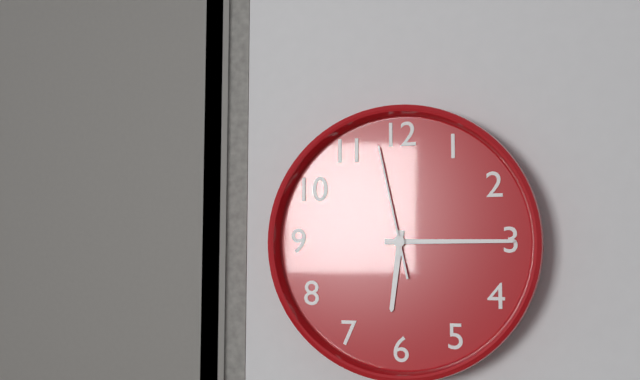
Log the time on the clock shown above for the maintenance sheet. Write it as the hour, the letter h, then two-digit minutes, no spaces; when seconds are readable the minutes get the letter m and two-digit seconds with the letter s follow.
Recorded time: 6h15m58s
